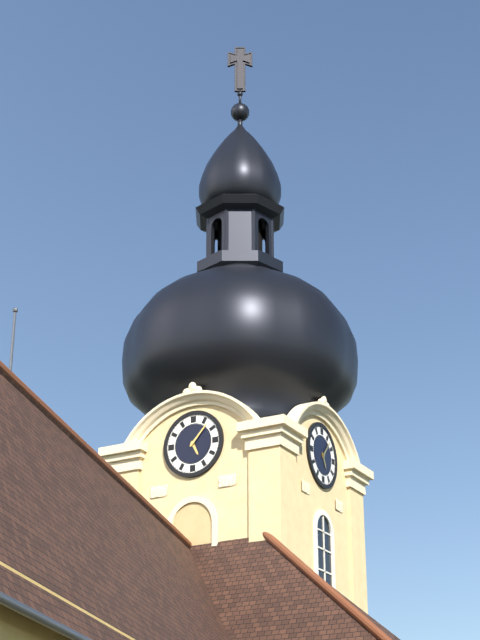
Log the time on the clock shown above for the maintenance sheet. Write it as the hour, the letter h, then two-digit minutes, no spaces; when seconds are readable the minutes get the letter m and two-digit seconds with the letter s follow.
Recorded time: 5h07
